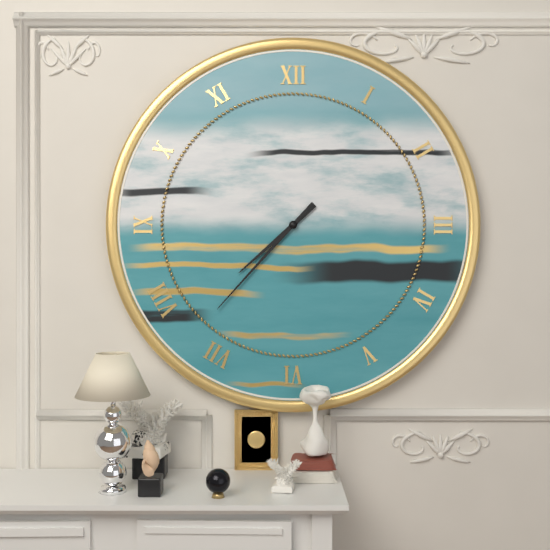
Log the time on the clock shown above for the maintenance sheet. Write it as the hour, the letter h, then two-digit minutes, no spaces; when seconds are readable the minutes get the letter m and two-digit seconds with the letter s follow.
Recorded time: 7h37
